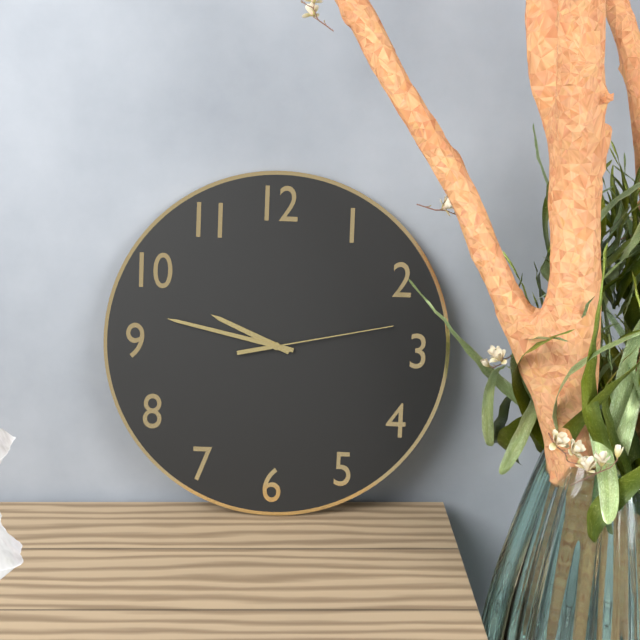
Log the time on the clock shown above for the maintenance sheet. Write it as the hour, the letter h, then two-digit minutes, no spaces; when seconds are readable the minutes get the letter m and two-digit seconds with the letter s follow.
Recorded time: 9h47m13s
